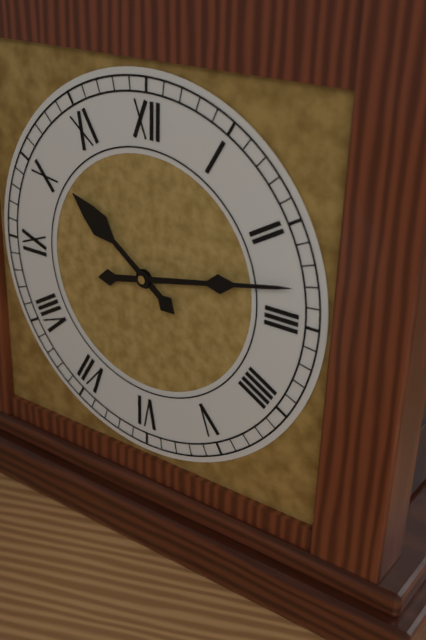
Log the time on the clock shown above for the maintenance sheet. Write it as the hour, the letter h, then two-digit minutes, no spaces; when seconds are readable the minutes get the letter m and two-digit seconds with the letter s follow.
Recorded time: 10h13
